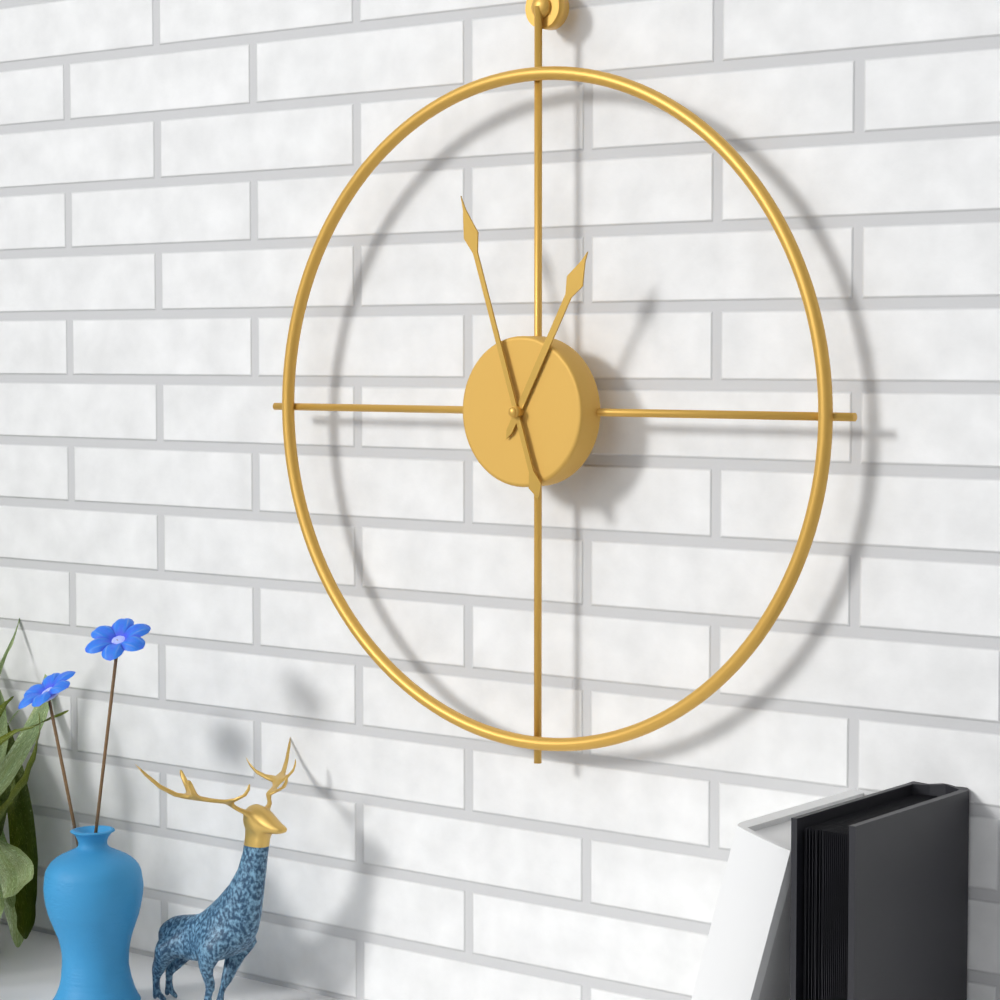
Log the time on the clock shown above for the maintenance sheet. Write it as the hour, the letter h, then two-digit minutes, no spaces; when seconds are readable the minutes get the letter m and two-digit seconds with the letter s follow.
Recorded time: 12h57
